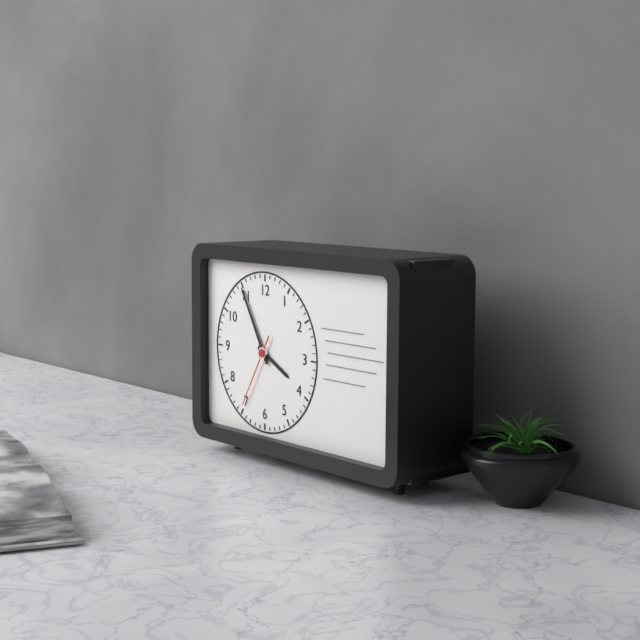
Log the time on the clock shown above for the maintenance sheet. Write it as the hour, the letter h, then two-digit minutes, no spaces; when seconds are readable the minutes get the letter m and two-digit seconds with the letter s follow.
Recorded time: 3h55m35s
